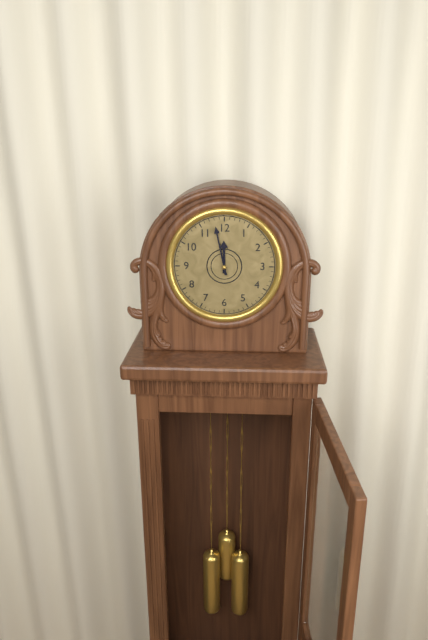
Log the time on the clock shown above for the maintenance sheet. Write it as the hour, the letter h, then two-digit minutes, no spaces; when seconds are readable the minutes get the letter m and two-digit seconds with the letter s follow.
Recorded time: 11h58
